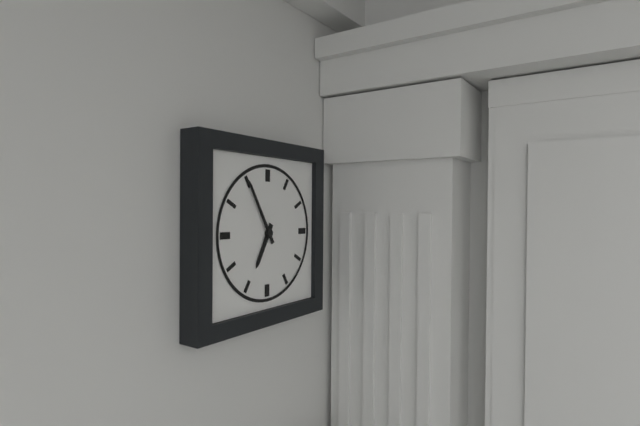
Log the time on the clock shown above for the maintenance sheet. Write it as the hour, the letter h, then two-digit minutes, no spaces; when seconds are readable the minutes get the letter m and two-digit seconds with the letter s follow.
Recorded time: 6h55
